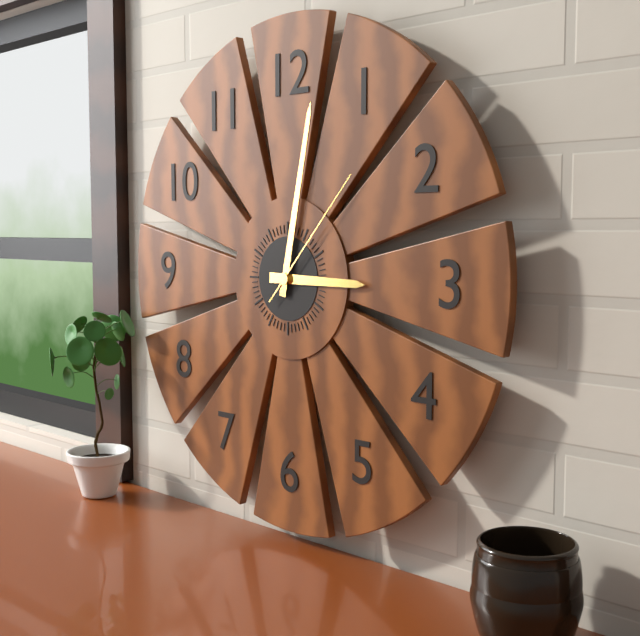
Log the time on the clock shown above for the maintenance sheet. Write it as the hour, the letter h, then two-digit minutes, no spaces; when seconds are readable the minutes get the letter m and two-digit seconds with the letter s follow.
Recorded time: 3h02m07s
